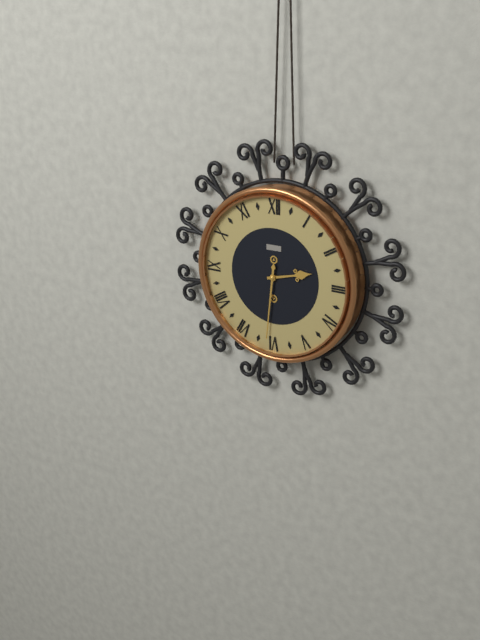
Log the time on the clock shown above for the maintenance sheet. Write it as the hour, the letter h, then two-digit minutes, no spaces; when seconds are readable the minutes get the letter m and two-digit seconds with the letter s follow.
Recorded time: 2h31
